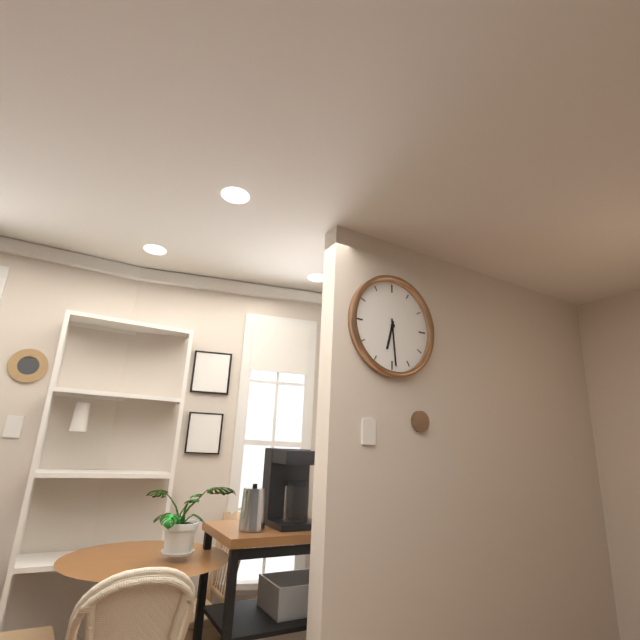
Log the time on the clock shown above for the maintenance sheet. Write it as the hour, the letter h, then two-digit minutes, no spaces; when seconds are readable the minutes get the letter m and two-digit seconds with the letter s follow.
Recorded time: 6h29
